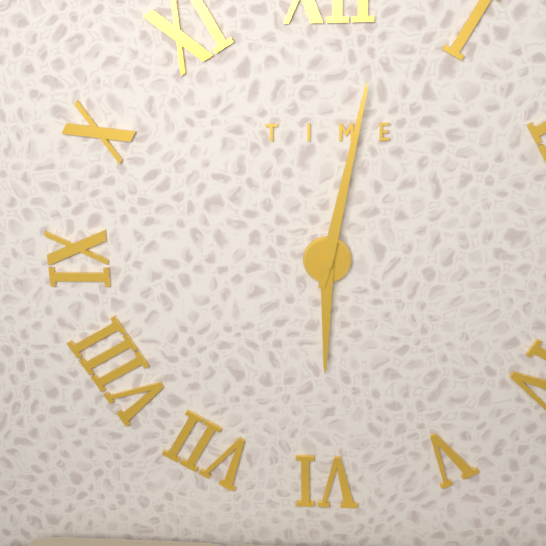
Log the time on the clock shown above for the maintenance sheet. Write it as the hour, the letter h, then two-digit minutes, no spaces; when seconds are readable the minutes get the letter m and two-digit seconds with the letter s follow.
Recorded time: 6h02
